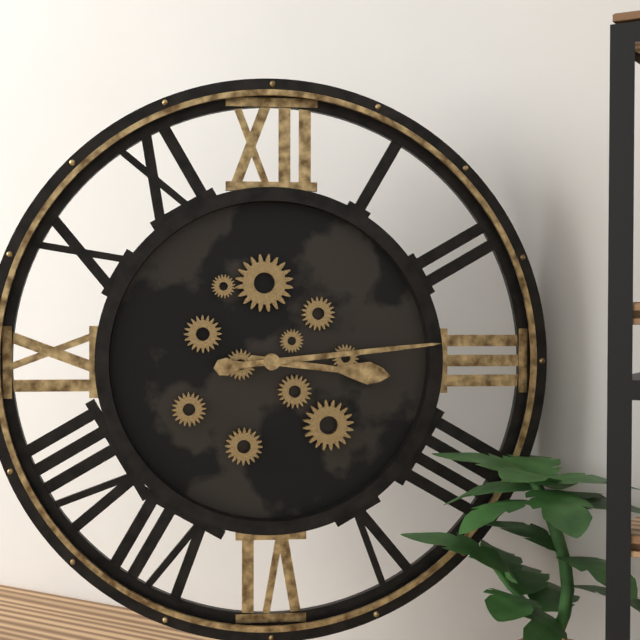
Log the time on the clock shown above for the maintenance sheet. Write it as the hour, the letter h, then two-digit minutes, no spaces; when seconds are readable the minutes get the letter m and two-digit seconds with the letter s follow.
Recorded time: 3h14
